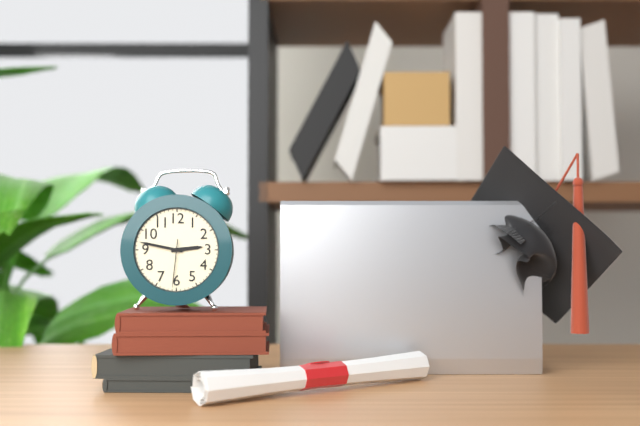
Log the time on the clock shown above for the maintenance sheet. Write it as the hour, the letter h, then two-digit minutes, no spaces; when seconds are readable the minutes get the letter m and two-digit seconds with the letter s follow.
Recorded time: 2h47m31s
